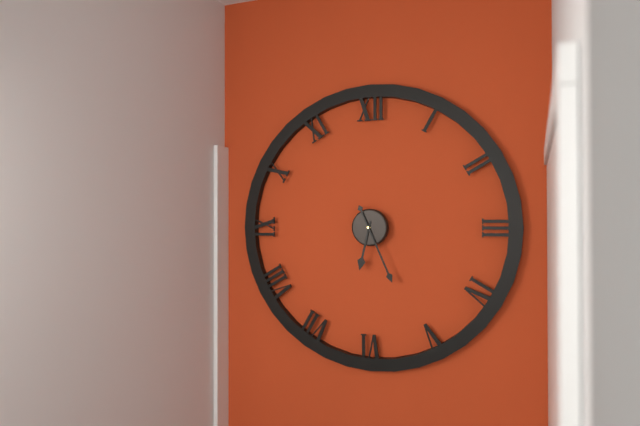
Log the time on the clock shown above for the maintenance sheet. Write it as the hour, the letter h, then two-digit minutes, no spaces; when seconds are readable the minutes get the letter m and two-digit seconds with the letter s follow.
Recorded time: 6h26
